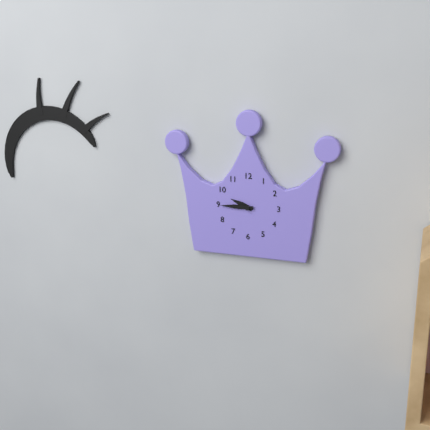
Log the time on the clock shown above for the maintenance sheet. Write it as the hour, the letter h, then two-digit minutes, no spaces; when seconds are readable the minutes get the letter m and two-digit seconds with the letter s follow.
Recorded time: 9h45
